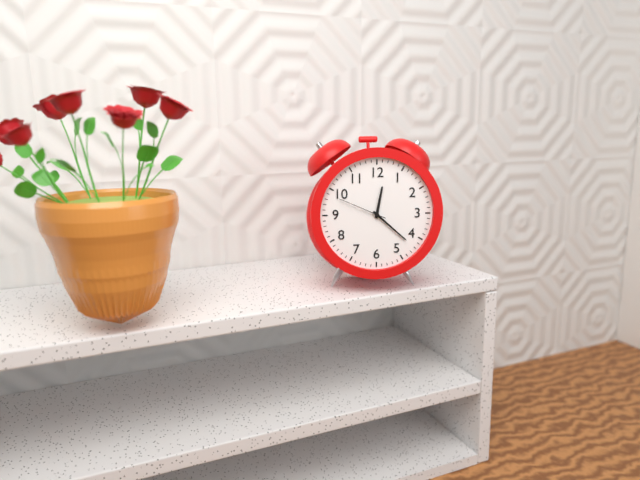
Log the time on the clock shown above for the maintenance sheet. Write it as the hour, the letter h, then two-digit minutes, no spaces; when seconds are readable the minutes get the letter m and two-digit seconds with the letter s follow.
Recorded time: 12h22m49s
